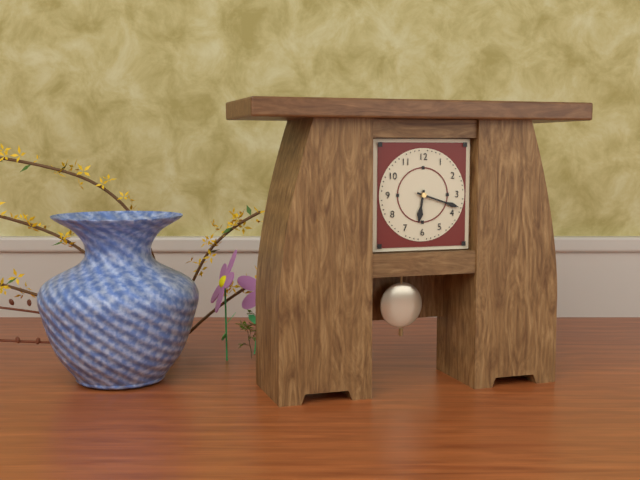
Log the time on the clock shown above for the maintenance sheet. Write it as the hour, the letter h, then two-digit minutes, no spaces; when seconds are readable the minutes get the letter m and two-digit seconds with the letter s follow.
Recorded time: 6h18
